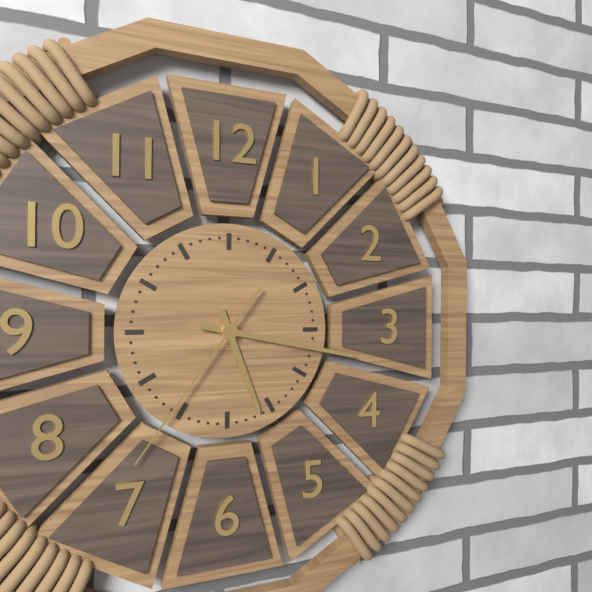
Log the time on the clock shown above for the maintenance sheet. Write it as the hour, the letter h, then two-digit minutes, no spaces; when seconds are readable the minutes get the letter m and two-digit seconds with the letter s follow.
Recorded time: 5h17m36s
